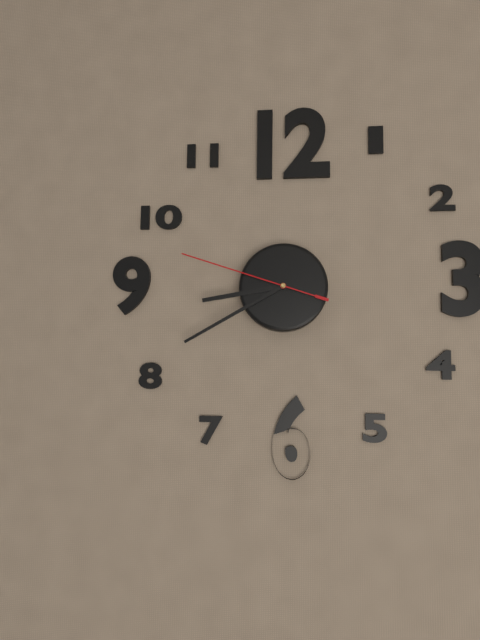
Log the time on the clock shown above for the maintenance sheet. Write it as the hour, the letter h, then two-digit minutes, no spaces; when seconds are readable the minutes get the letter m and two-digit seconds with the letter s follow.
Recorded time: 8h40m48s
